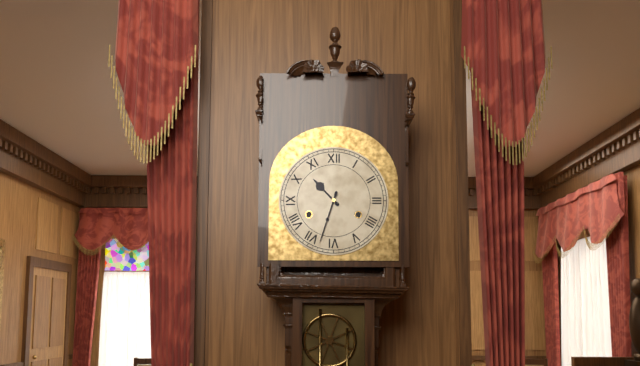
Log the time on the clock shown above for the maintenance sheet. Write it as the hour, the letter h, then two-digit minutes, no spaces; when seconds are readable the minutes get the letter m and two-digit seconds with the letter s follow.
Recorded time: 10h33
